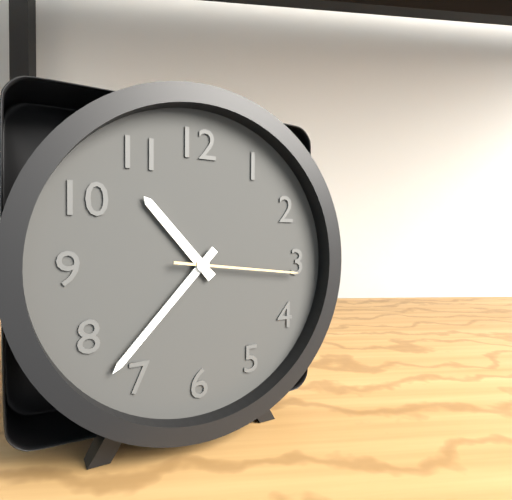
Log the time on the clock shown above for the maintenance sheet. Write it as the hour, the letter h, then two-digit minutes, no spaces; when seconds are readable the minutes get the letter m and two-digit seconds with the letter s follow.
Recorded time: 10h37m16s
